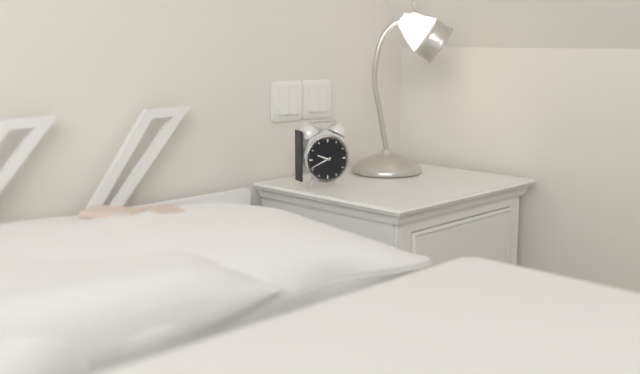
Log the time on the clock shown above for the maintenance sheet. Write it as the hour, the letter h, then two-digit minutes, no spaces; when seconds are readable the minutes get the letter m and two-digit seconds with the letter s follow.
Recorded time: 9h41
